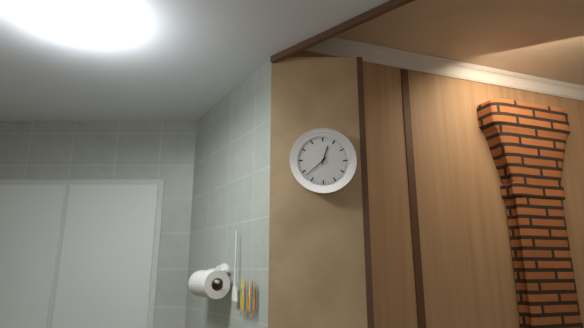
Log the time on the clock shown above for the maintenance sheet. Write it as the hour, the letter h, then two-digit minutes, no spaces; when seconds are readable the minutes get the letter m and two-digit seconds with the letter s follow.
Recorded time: 12h38
